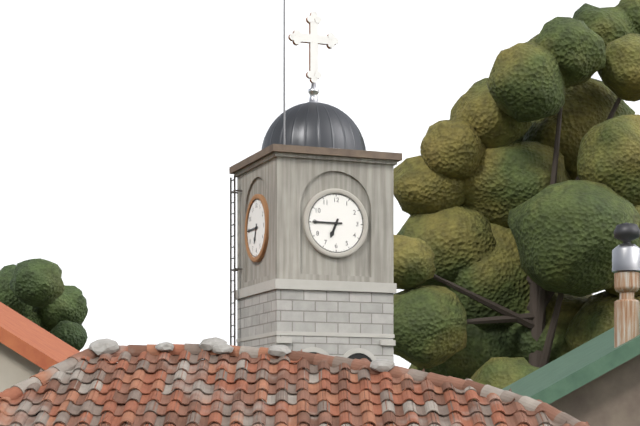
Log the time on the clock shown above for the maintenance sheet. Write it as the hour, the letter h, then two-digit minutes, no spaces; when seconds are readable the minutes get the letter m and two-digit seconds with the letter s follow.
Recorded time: 6h45
